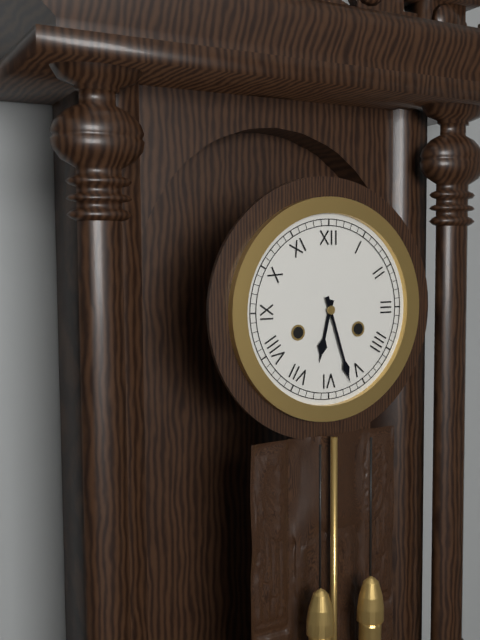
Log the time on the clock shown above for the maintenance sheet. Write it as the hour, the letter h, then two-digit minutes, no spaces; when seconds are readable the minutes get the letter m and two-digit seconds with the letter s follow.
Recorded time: 6h27
